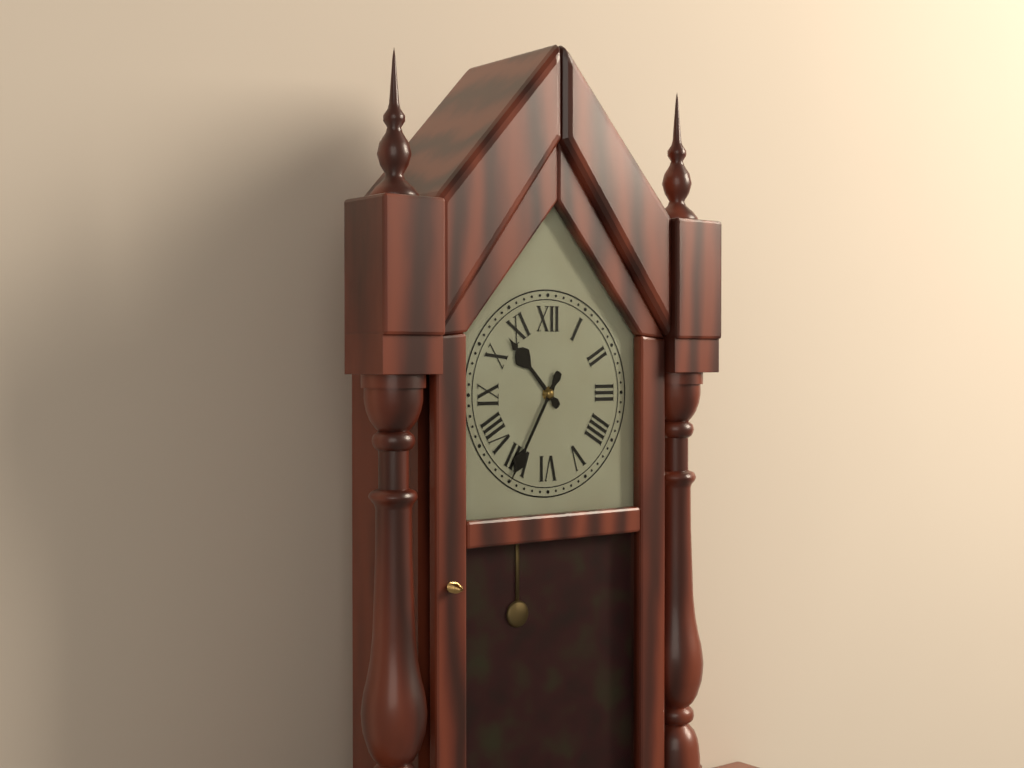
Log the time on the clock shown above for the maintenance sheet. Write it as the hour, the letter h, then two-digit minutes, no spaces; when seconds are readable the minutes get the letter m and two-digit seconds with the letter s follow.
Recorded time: 10h35
